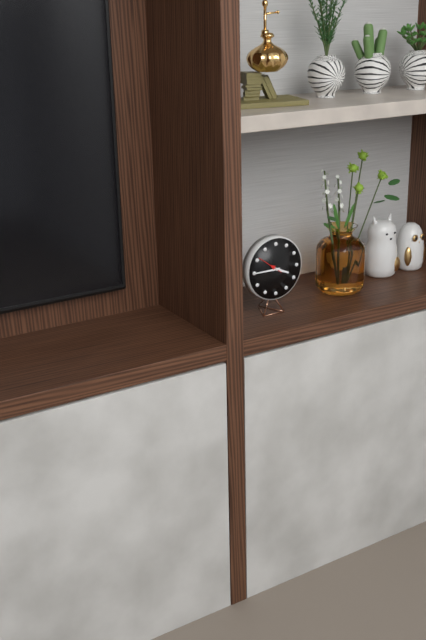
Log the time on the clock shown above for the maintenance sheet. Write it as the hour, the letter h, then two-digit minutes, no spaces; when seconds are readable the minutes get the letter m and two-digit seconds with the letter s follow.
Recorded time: 3h45
